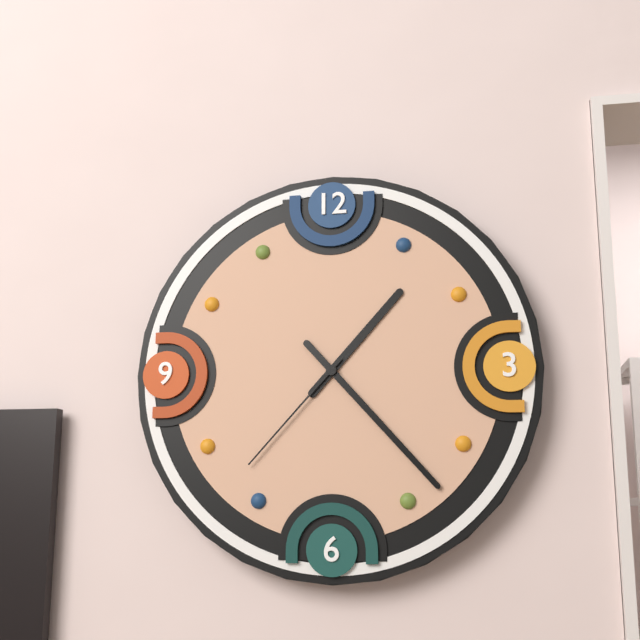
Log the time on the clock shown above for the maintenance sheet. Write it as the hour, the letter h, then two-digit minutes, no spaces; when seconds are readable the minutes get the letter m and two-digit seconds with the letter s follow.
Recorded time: 1h23m37s
